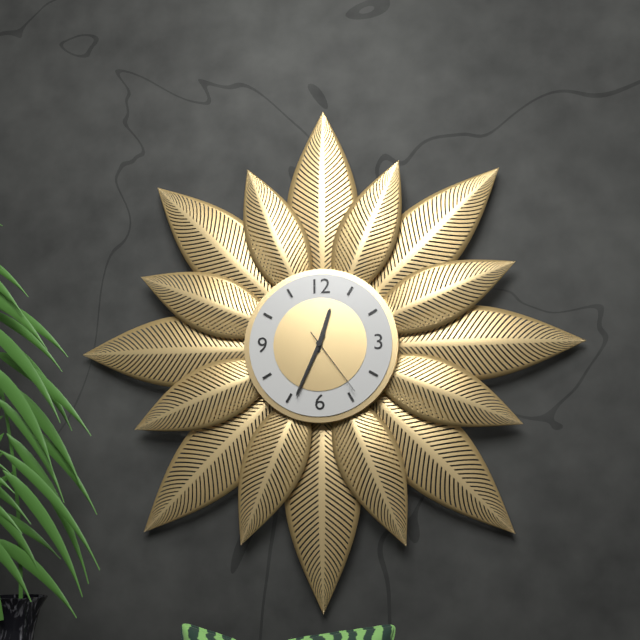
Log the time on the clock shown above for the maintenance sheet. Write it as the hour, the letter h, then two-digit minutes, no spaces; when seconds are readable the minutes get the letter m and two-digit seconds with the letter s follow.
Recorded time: 12h34m24s
